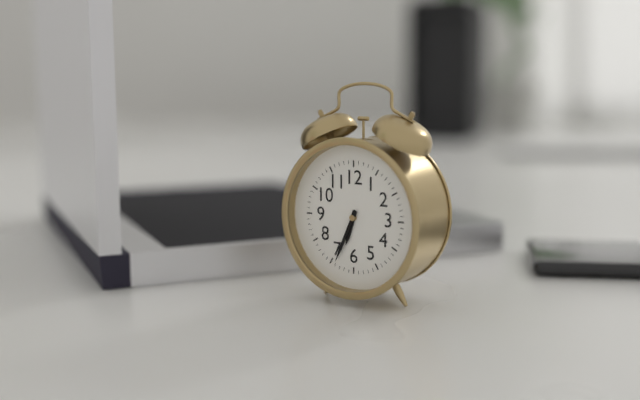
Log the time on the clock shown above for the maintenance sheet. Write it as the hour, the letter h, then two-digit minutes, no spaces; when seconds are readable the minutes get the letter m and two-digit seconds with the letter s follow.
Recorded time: 6h34
